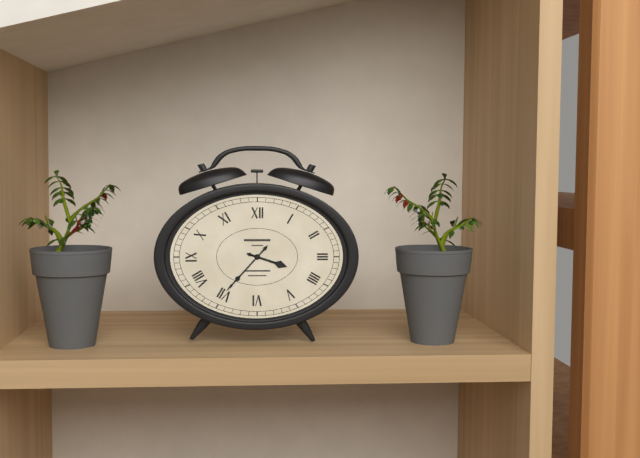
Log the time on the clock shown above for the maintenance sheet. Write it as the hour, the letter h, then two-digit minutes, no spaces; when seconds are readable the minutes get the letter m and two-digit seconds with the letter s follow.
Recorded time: 3h37
